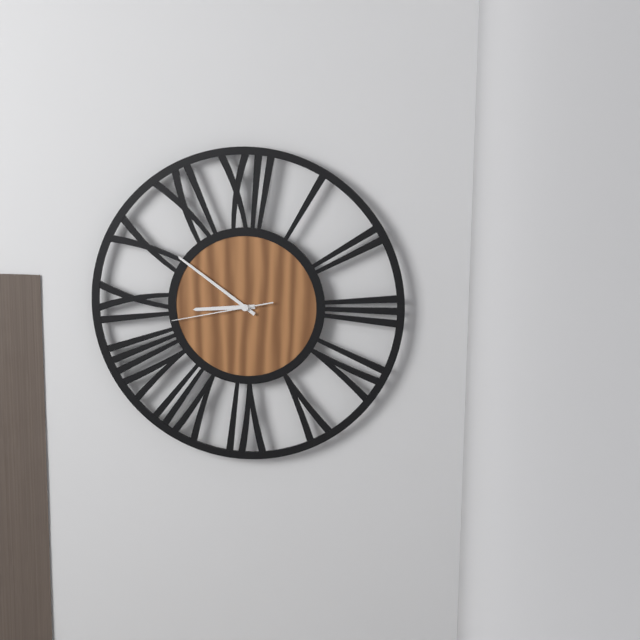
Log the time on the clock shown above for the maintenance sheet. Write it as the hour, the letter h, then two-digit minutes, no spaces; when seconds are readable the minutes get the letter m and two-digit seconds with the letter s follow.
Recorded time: 8h51m43s
